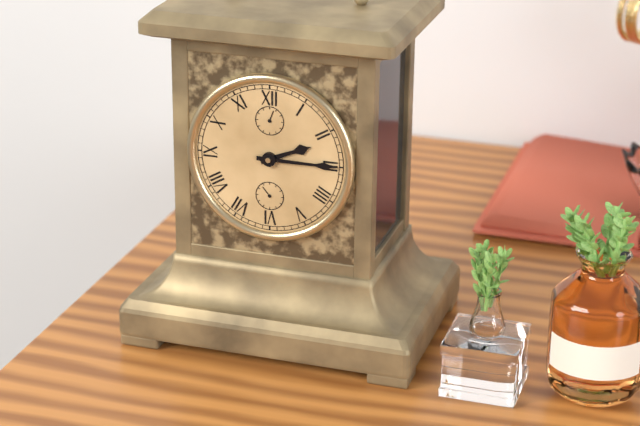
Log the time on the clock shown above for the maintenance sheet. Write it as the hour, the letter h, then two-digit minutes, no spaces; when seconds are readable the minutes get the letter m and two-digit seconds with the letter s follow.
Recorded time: 2h15
